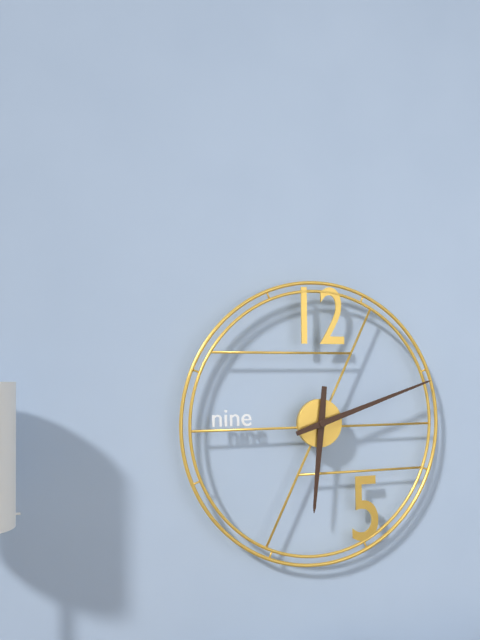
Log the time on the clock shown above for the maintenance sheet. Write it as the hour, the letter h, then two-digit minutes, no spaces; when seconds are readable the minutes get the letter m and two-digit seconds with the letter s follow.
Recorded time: 6h12
